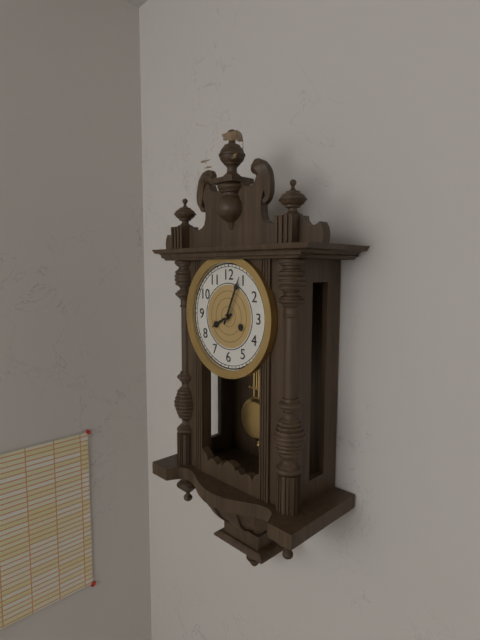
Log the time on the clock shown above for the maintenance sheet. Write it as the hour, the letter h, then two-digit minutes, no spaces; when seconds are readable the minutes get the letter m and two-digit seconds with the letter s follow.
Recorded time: 8h04
